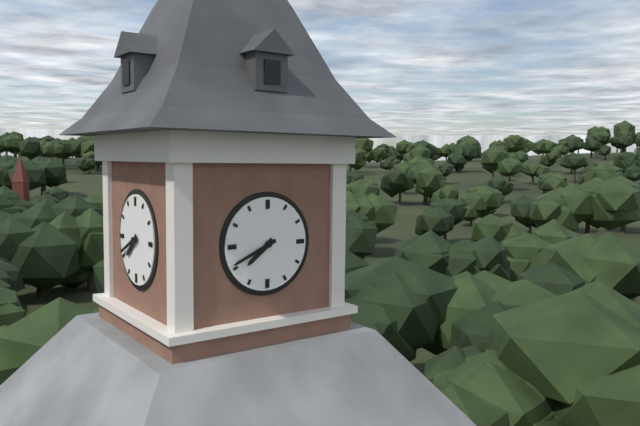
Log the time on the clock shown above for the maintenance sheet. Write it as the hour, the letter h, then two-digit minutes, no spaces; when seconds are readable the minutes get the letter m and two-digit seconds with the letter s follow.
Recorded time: 7h41
